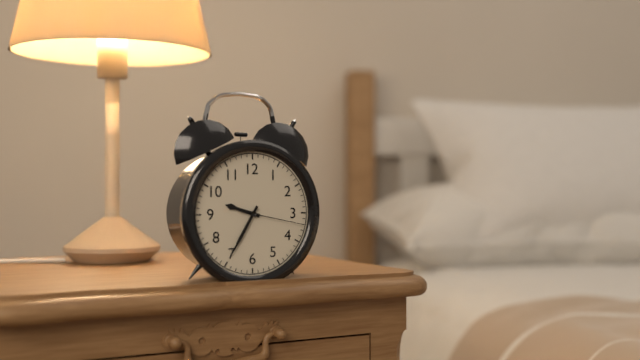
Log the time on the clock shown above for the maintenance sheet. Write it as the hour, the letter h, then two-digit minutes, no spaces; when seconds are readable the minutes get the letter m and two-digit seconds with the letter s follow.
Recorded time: 9h35m17s
